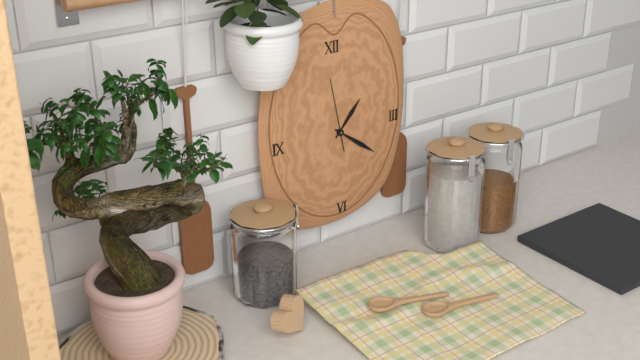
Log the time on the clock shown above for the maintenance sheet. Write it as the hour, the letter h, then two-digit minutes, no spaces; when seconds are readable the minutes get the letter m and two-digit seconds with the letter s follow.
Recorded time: 1h21m58s
